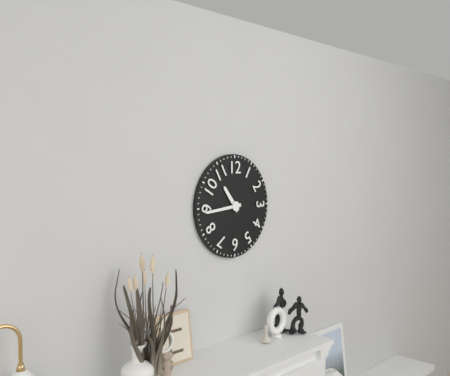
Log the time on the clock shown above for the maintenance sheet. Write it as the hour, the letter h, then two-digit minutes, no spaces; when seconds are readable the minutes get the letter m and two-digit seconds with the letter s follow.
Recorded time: 10h44
